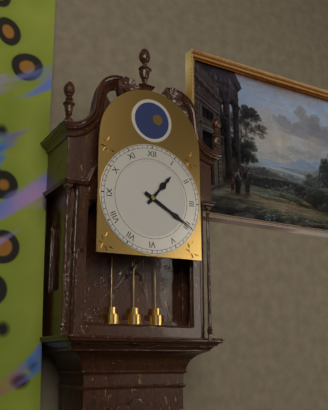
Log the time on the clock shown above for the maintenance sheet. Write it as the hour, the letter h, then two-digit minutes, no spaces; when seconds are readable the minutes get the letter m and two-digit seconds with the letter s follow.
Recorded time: 1h20
